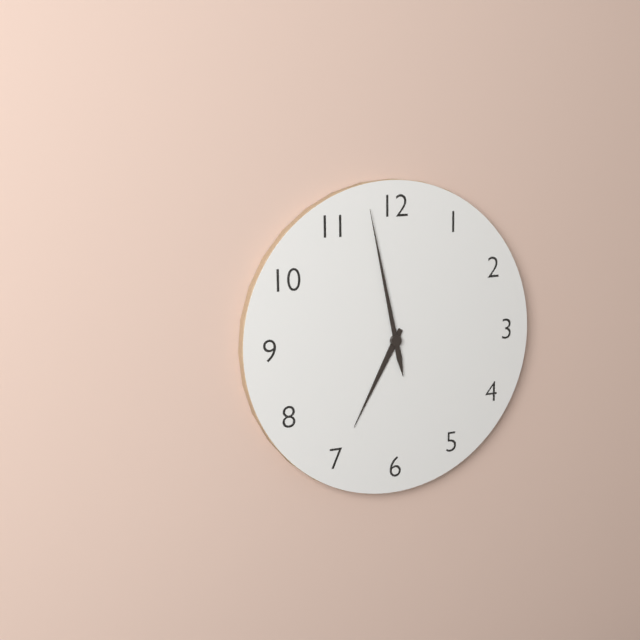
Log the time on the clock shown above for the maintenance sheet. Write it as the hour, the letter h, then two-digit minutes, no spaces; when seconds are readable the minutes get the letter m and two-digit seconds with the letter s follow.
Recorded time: 6h58
